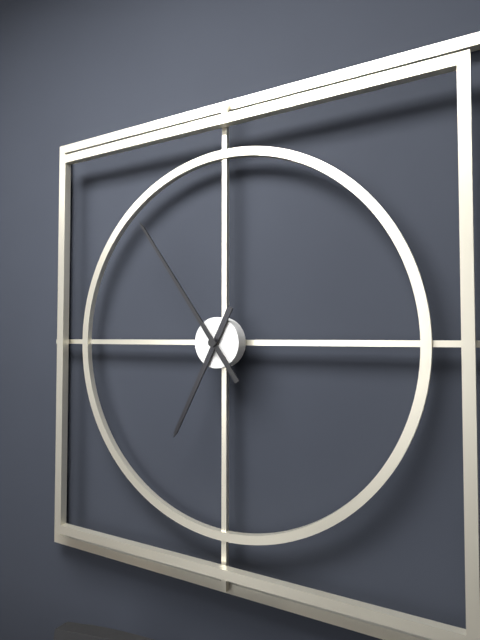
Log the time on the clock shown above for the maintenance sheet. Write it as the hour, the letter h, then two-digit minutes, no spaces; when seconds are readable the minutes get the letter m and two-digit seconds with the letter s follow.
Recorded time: 6h54
